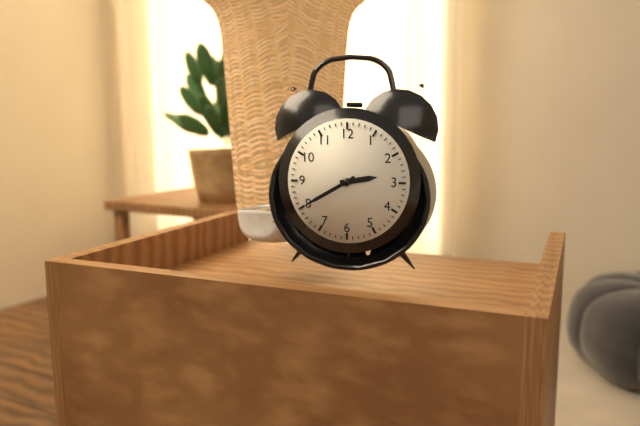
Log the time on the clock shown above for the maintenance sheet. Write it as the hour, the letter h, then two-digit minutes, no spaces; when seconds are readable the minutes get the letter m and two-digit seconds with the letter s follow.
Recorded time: 2h40
